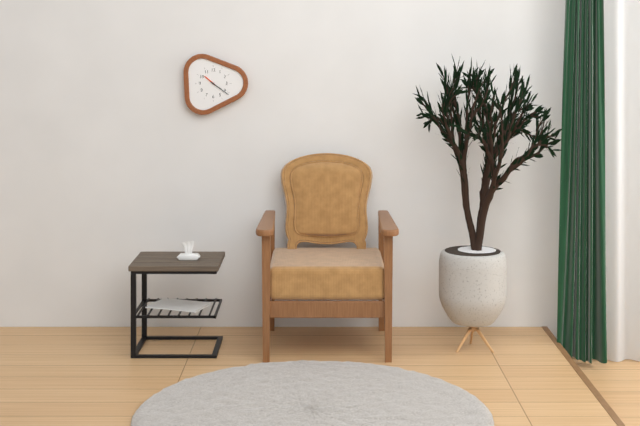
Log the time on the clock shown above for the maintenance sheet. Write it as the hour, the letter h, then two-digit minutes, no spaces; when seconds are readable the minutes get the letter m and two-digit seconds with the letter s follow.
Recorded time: 10h21
